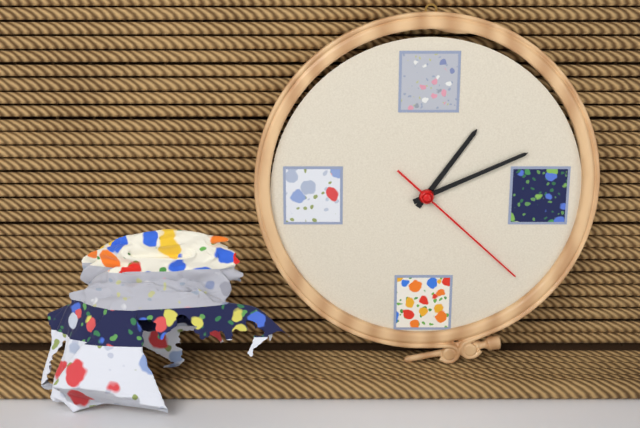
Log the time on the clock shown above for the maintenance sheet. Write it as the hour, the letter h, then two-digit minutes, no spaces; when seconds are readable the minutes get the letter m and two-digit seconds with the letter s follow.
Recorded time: 1h11m22s
